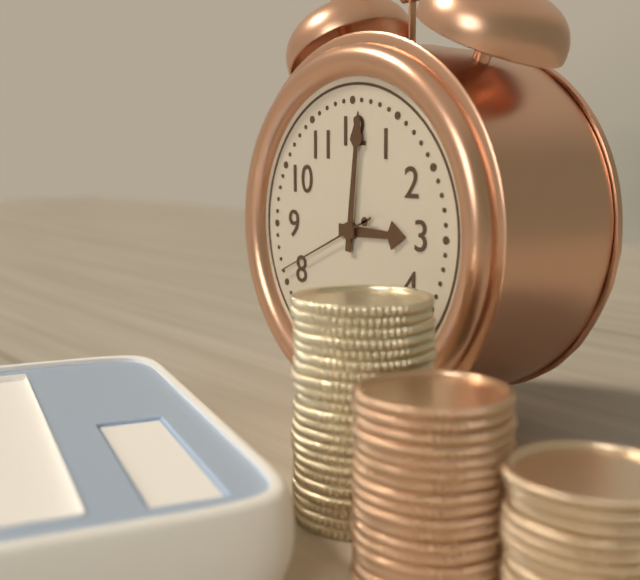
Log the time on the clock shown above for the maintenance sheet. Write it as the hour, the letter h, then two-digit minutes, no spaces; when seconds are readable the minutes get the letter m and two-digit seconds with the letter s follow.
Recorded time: 3h01m41s
